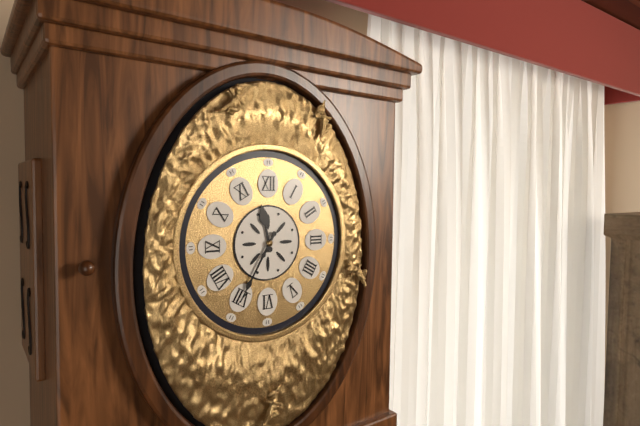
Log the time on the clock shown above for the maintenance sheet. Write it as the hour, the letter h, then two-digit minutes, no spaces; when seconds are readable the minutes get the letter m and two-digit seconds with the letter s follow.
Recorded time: 11h35
